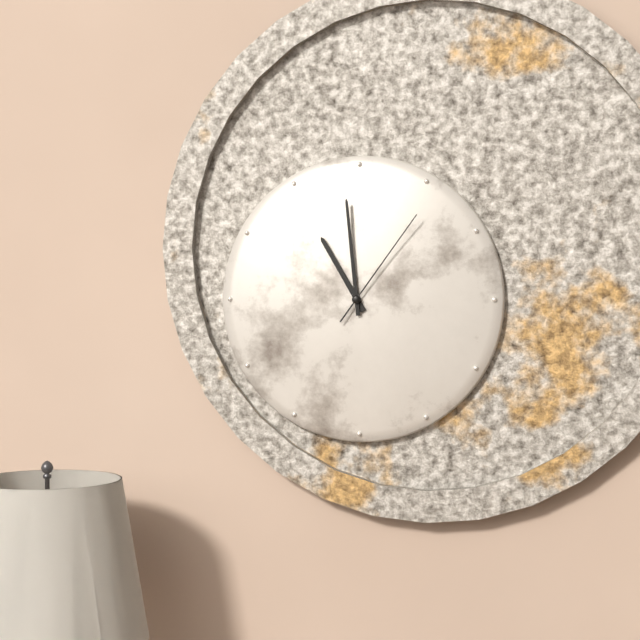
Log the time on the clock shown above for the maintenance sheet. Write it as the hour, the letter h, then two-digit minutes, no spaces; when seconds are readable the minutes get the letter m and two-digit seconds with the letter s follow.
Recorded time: 10h59m06s
